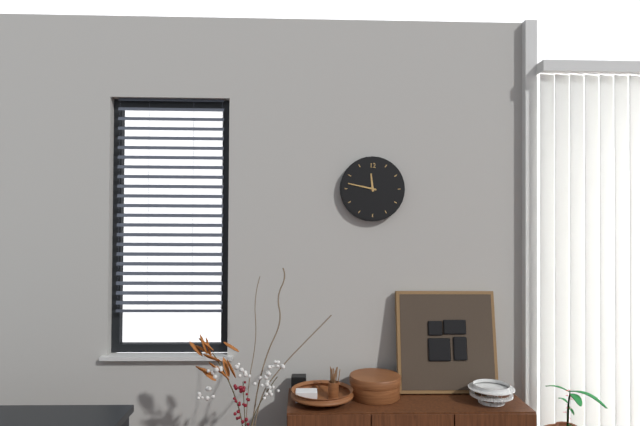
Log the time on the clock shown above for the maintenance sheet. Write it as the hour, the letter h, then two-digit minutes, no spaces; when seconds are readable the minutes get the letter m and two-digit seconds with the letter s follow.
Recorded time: 11h47
